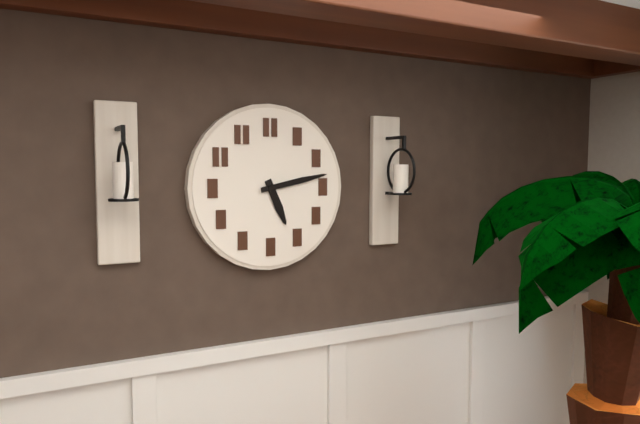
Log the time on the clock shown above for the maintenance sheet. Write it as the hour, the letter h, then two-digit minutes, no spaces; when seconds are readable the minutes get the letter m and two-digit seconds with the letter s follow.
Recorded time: 5h13
